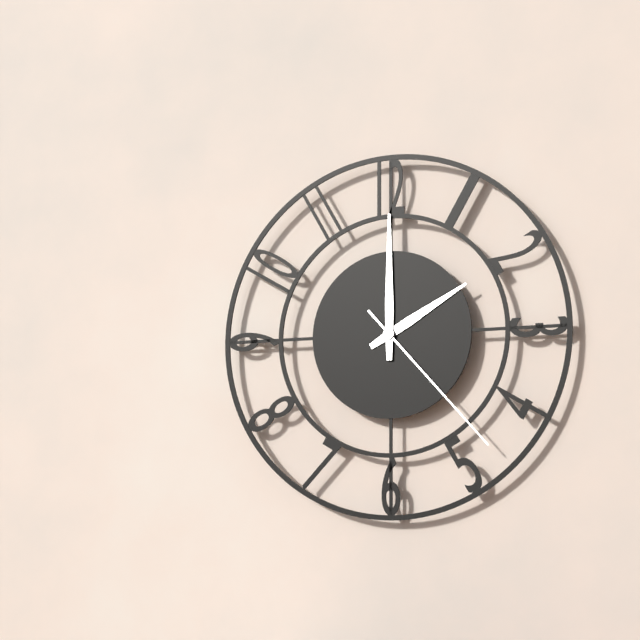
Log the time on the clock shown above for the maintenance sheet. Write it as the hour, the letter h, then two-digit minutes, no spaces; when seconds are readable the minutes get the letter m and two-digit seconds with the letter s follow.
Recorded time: 2h00m23s
